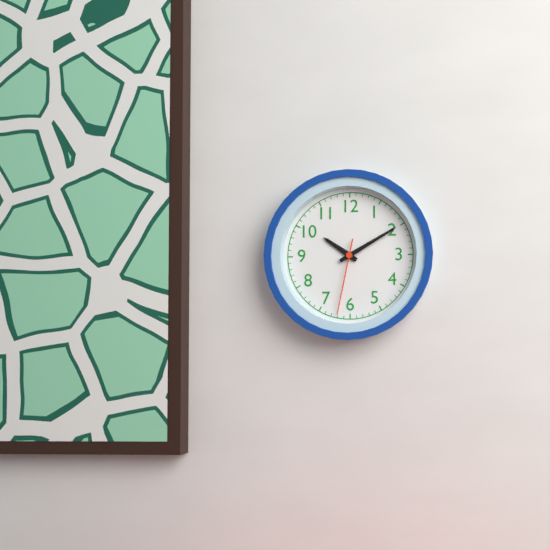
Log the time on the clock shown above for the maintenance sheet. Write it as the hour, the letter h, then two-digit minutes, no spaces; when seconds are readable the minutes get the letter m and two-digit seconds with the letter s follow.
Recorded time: 10h10m32s
